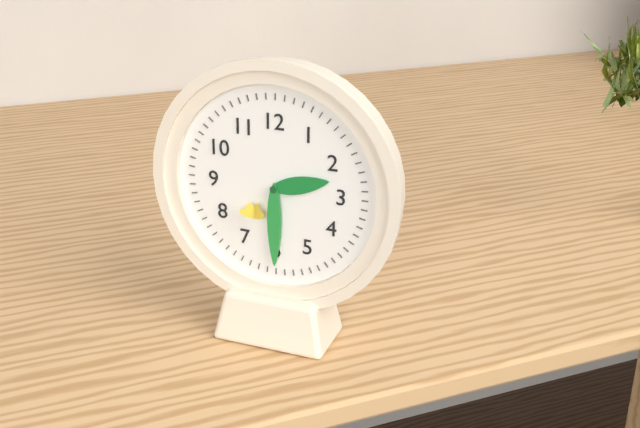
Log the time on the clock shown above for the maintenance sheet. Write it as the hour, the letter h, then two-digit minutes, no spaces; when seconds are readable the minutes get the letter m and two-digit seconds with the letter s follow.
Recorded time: 2h30
